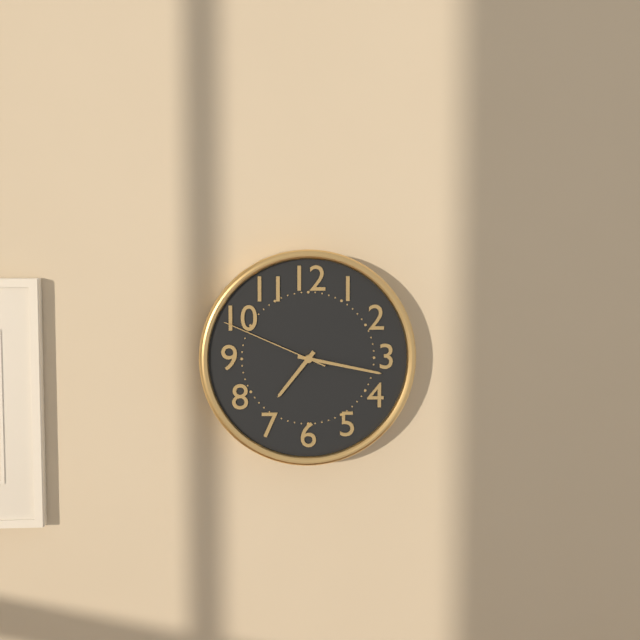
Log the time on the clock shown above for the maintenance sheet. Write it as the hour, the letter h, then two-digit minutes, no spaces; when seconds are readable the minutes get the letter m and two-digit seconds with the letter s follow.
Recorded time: 7h17m49s
